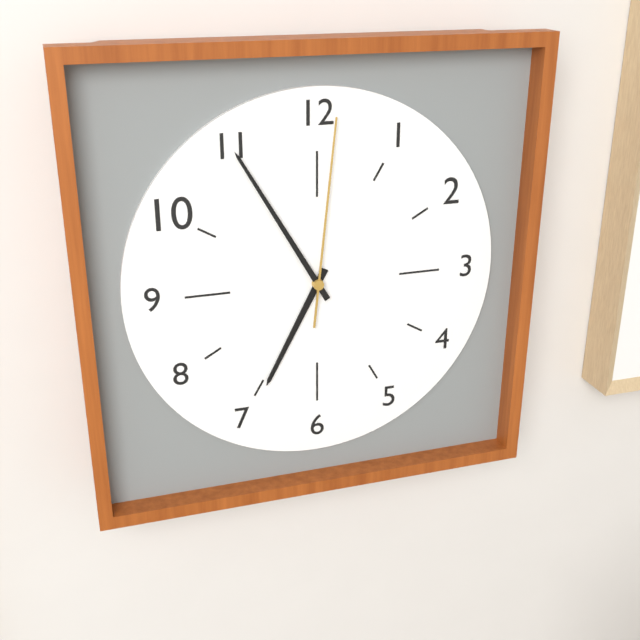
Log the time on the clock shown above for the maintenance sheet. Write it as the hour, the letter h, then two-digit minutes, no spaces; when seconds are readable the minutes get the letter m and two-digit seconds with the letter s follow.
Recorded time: 6h55m01s
